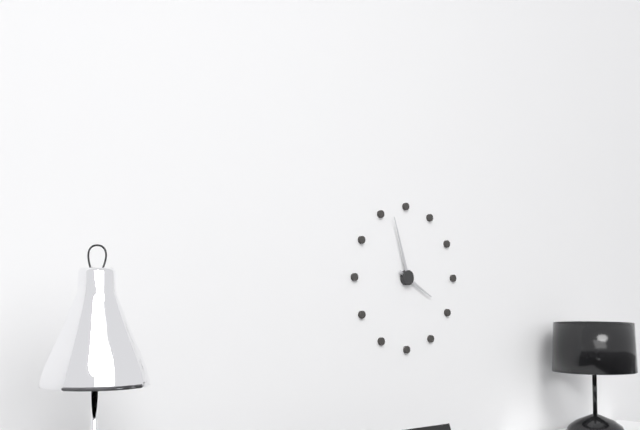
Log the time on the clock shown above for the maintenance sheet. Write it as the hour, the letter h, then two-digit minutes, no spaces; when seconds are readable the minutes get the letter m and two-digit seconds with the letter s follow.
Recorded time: 3h57
